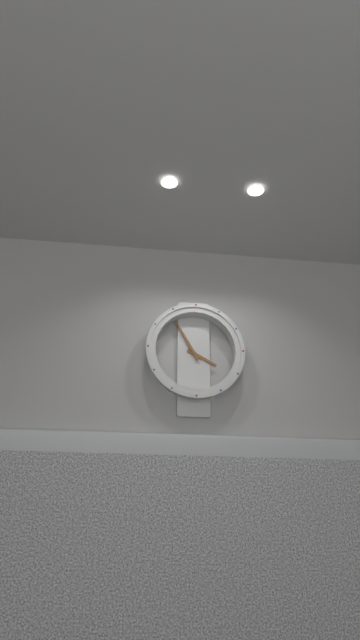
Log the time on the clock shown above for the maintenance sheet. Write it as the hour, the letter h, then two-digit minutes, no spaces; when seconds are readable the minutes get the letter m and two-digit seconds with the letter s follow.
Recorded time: 3h55
